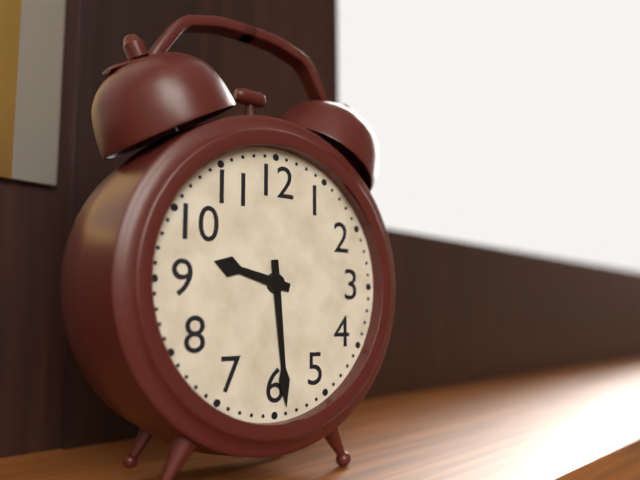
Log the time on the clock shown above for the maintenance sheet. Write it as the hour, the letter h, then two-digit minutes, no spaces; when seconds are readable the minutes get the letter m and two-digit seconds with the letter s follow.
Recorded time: 9h29
